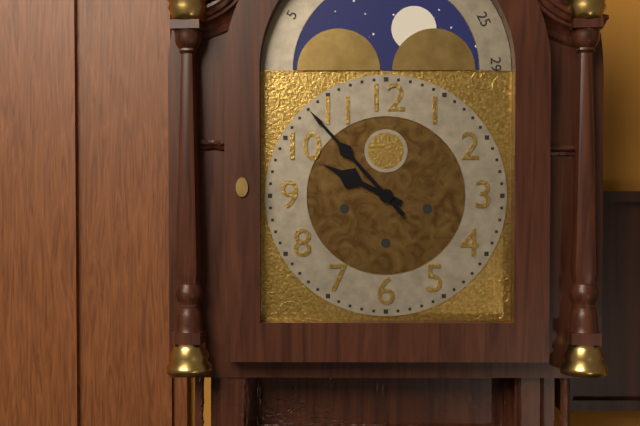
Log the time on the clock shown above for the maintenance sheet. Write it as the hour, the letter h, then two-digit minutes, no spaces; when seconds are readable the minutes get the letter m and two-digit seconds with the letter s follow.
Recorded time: 9h53
